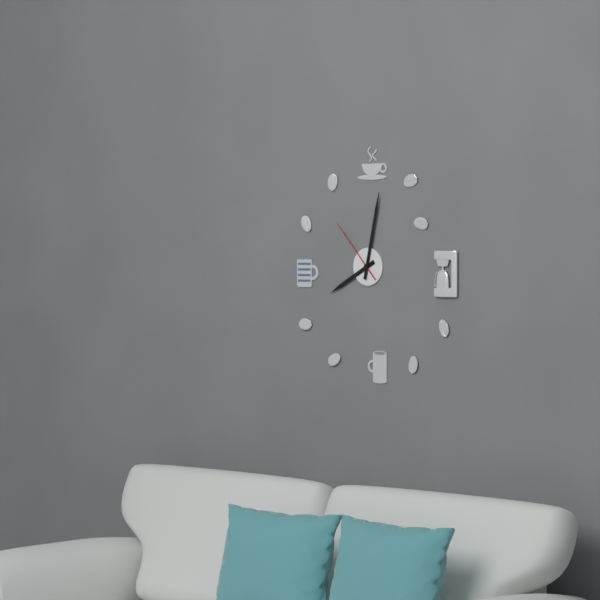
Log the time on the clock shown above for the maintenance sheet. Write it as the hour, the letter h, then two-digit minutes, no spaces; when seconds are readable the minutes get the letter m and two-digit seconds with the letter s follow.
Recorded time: 8h02m53s
